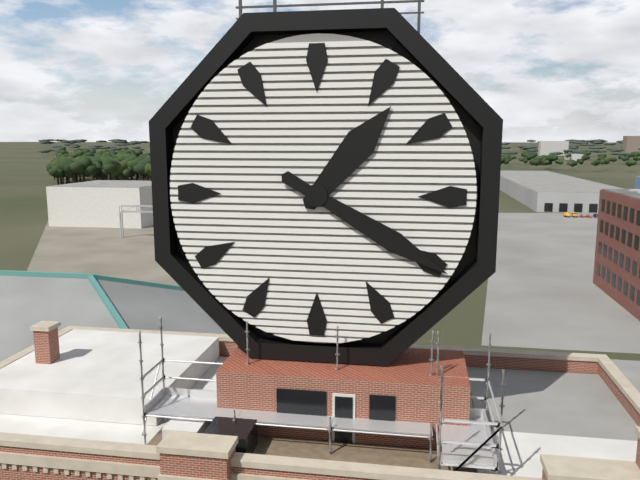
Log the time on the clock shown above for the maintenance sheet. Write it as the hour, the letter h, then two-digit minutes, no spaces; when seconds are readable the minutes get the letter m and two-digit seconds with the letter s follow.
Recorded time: 1h20
